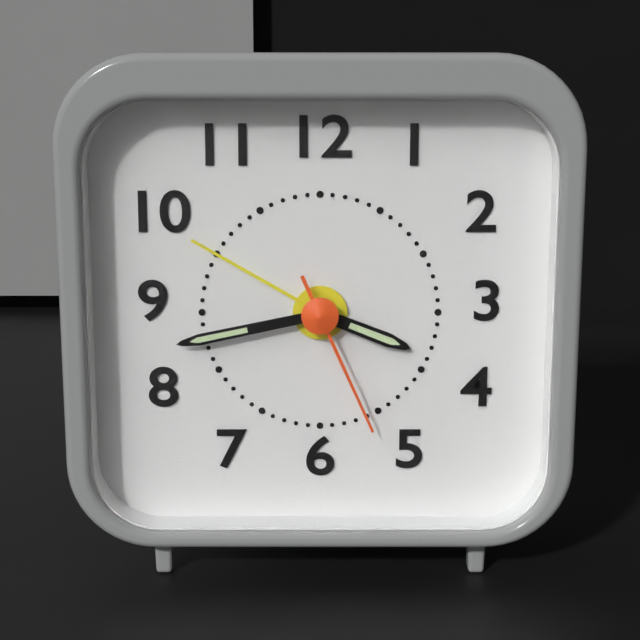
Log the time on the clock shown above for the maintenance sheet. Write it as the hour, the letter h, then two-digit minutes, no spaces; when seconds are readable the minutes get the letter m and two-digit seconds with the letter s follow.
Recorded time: 3h43m26s
